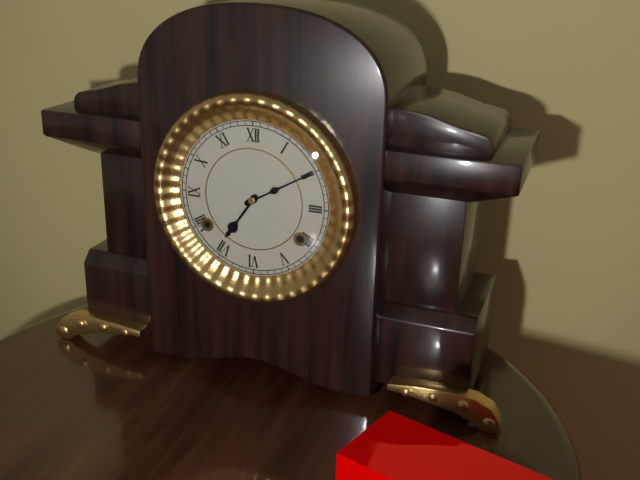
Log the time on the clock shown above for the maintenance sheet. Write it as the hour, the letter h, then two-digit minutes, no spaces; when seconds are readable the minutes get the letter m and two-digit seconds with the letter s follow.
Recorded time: 7h10
